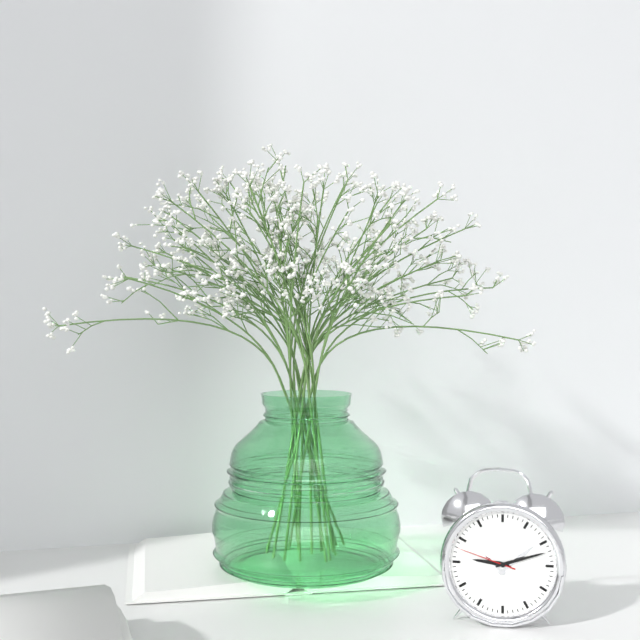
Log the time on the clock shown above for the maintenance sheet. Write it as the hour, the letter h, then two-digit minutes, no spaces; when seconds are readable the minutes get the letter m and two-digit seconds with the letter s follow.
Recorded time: 9h12m48s
